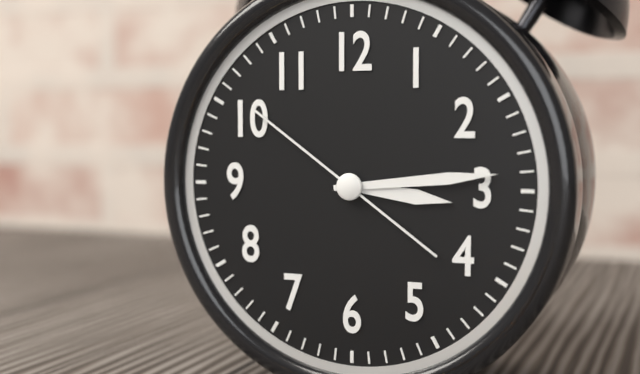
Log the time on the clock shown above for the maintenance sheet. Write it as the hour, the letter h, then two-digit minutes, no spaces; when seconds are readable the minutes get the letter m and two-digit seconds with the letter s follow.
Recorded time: 3h14m51s
